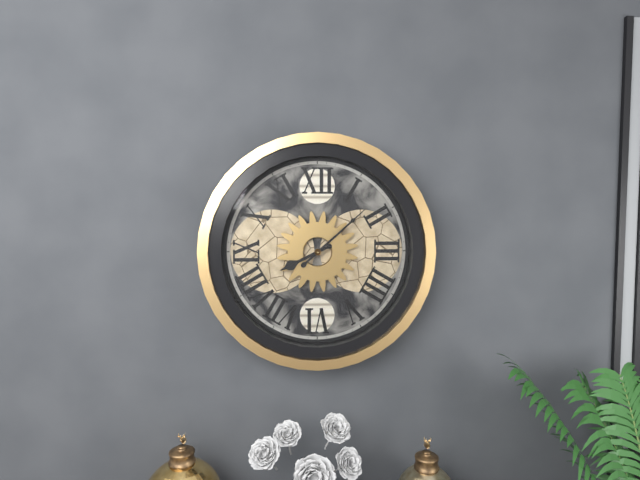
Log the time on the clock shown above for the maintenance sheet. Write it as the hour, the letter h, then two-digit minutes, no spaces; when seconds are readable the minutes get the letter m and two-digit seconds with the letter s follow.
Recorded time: 8h08
